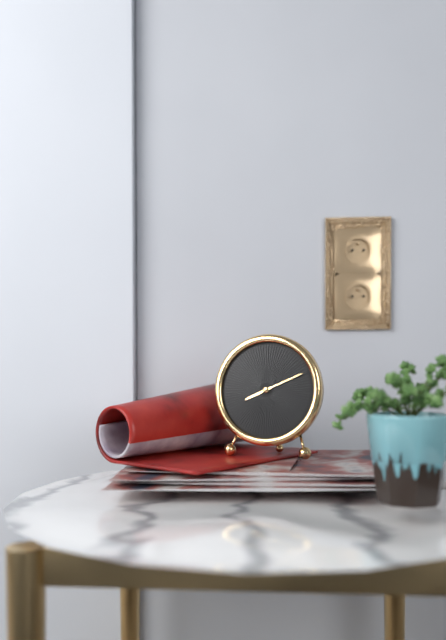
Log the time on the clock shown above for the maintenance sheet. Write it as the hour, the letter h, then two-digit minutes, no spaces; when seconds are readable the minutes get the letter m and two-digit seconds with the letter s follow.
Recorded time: 8h11
